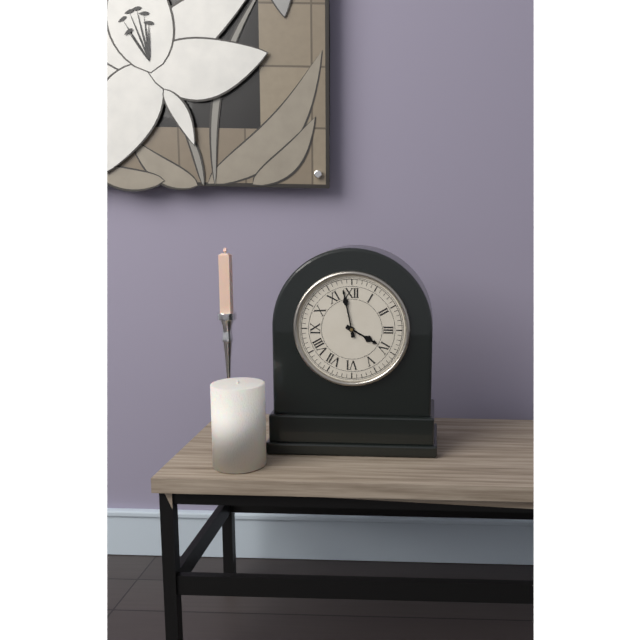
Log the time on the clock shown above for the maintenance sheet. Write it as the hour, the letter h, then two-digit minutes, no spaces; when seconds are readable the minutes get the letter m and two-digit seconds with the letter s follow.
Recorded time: 3h58
